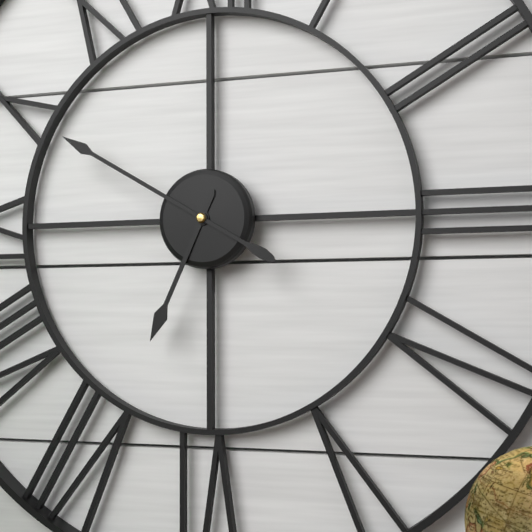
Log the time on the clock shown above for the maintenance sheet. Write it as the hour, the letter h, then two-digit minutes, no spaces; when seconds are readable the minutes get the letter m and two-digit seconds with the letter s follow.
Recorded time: 6h50
